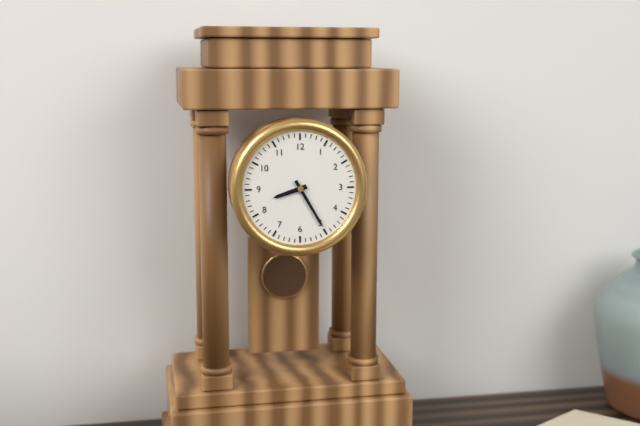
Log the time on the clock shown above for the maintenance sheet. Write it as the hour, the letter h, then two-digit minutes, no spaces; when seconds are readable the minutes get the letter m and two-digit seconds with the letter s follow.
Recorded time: 8h25
